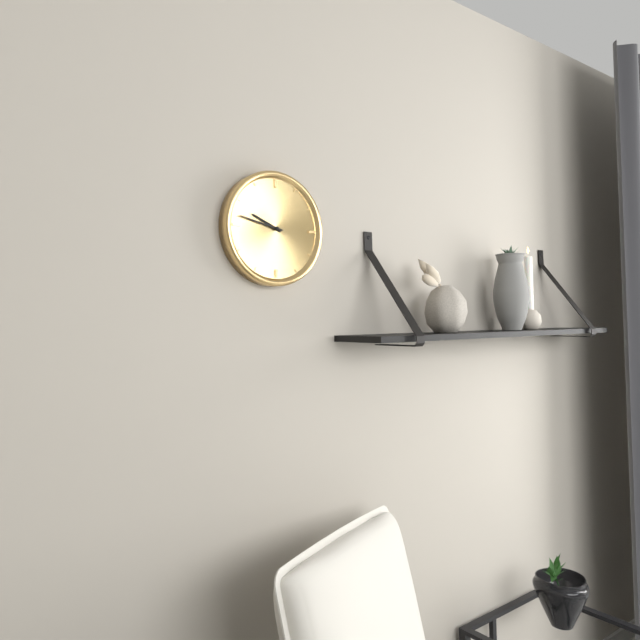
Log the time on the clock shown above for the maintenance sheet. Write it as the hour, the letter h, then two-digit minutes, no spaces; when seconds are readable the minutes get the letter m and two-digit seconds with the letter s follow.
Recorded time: 9h47
